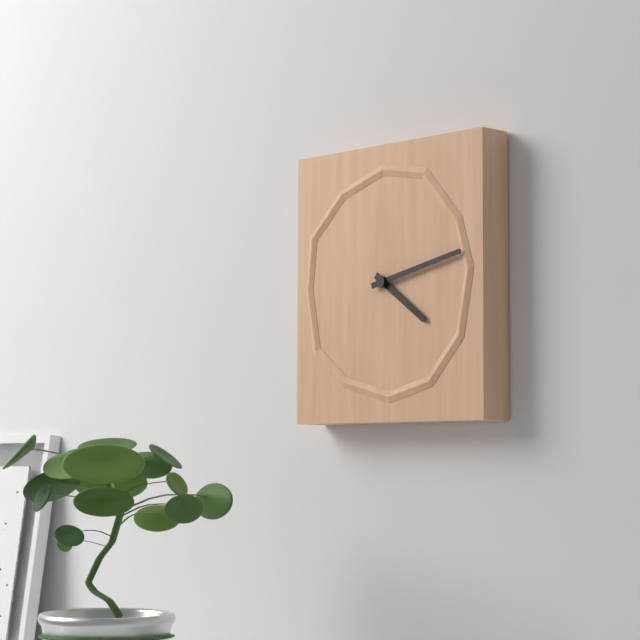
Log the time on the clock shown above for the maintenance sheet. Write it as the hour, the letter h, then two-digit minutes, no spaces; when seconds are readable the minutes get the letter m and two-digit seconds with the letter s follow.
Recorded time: 4h13
